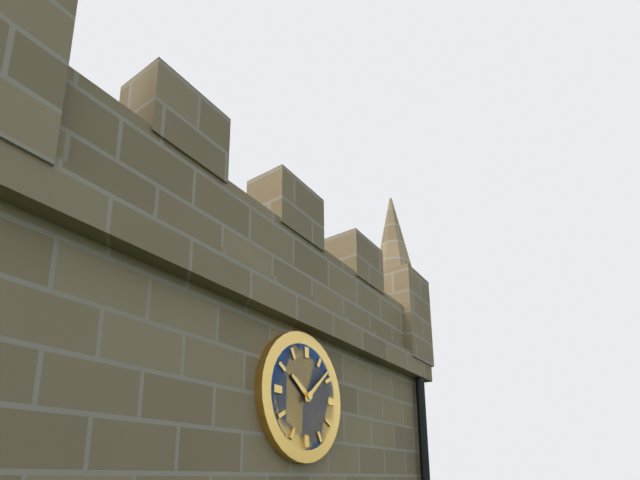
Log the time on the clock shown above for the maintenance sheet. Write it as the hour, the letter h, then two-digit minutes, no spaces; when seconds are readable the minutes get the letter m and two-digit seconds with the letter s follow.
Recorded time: 10h08
